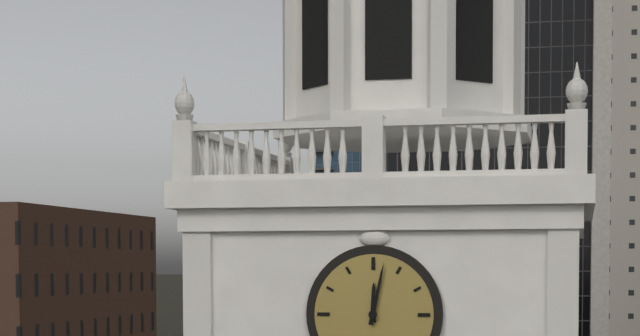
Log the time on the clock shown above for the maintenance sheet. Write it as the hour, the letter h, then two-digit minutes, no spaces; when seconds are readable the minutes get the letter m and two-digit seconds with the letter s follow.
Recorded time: 12h02
